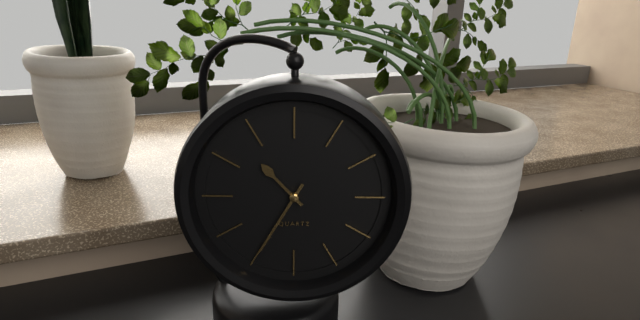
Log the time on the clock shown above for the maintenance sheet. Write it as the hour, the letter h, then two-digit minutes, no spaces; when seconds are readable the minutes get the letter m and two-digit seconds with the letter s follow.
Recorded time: 10h35
